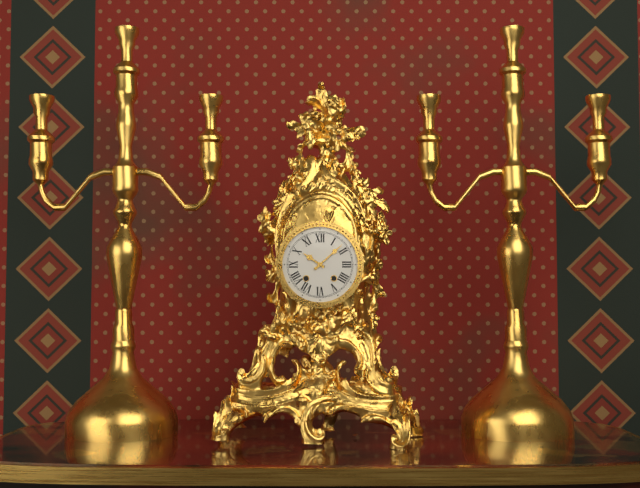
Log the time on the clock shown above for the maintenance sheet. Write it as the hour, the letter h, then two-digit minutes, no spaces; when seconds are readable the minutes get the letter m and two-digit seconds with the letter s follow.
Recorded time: 10h08
